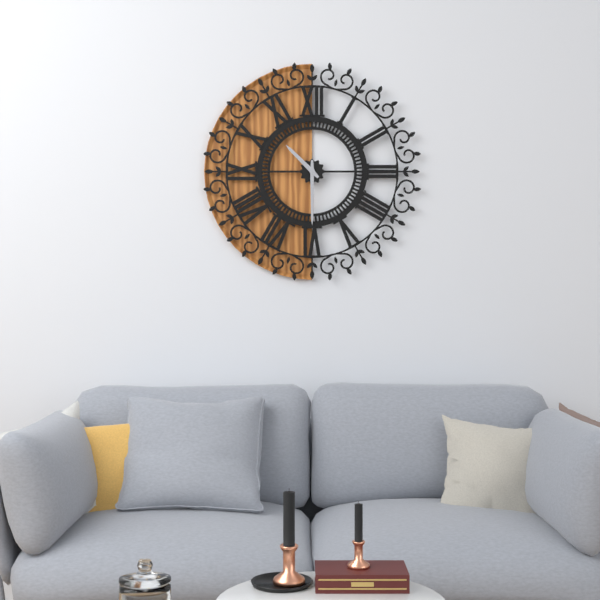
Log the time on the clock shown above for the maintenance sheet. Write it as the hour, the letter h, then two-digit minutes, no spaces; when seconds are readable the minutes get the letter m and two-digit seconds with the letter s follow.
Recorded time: 10h30
